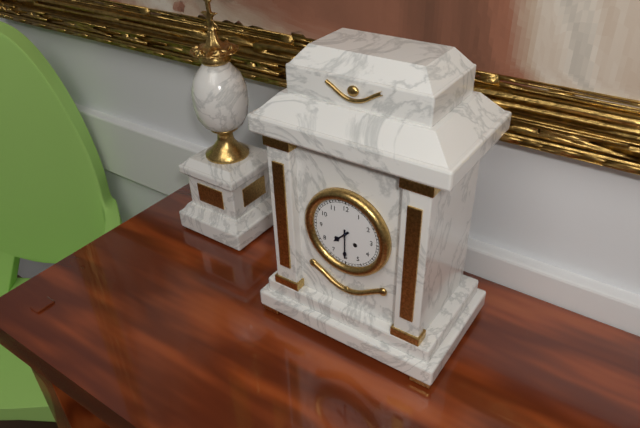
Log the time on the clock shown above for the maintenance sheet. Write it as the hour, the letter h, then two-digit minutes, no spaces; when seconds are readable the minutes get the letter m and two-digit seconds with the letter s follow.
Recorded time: 7h30
